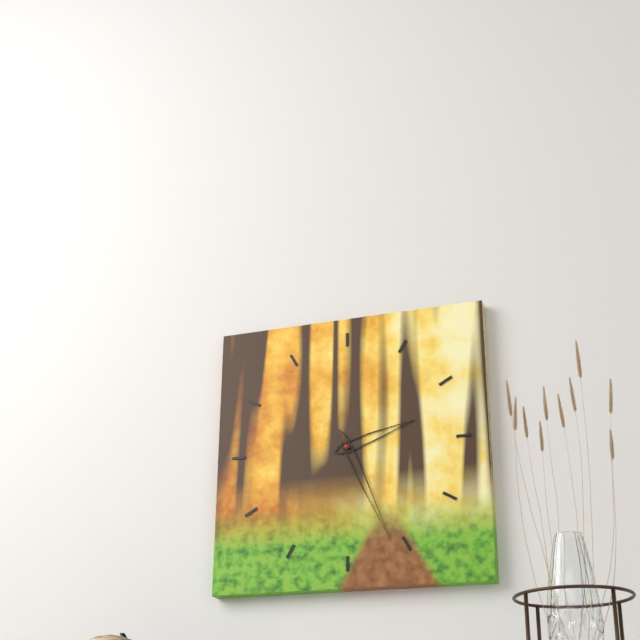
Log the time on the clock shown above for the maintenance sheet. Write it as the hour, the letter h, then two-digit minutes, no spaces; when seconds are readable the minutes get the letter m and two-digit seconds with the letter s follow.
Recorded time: 2h26
